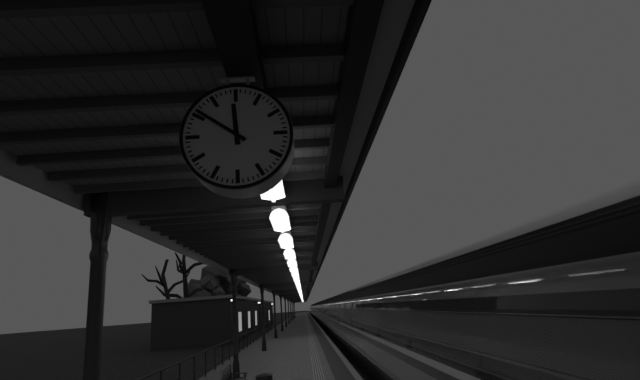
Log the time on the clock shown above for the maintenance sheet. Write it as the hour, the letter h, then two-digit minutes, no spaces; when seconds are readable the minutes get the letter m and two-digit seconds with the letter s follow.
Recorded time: 11h51
